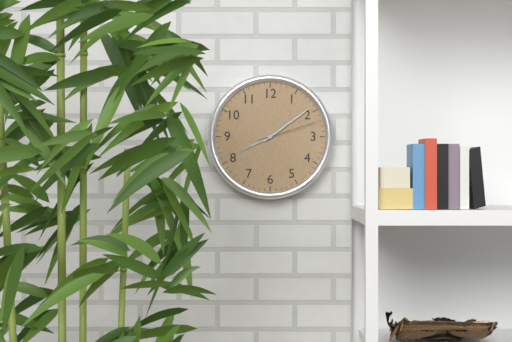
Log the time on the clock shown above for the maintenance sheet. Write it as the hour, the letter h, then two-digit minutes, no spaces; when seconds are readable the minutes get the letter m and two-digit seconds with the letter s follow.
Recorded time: 8h09m12s
